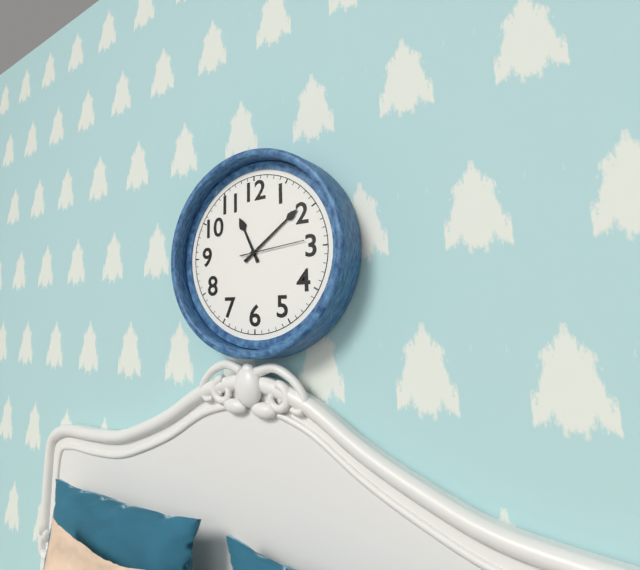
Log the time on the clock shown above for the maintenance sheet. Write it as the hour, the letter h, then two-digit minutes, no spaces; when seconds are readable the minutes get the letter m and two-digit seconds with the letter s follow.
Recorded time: 11h09m14s
